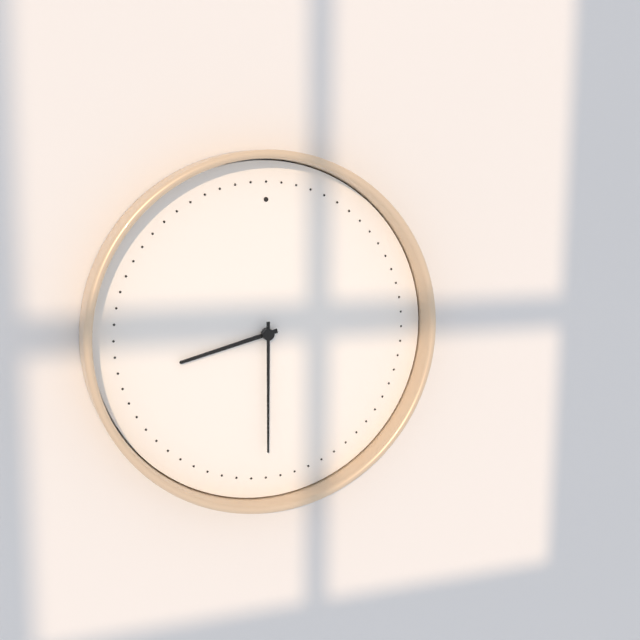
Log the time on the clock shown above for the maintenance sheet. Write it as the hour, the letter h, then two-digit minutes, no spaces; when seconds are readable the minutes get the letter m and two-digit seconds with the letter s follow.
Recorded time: 8h30
